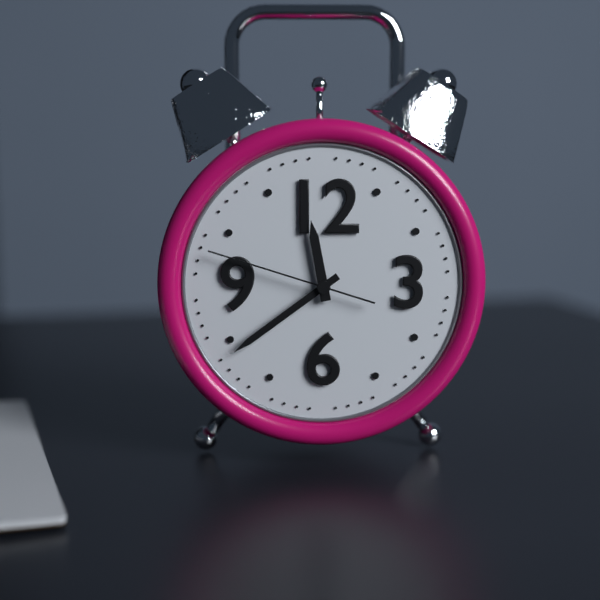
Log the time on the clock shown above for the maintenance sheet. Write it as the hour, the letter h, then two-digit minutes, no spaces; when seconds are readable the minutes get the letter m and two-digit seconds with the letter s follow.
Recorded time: 11h39m48s
